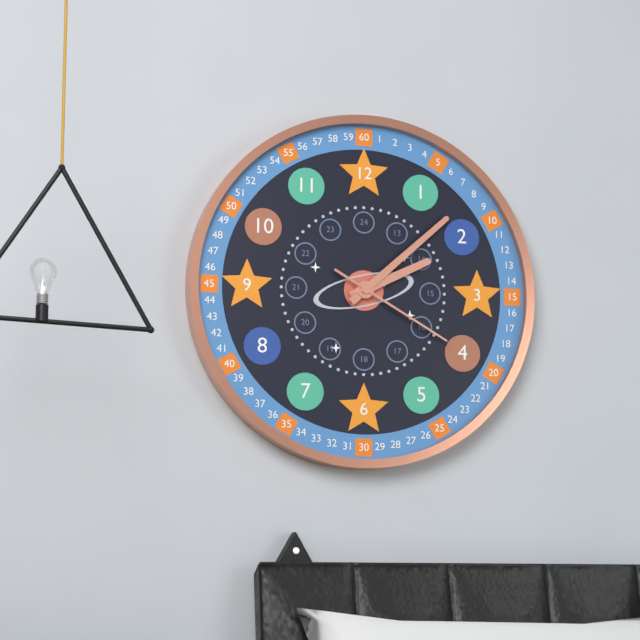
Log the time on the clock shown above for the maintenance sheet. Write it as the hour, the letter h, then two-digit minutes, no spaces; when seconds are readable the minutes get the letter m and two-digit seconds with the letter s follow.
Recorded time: 2h08m20s
